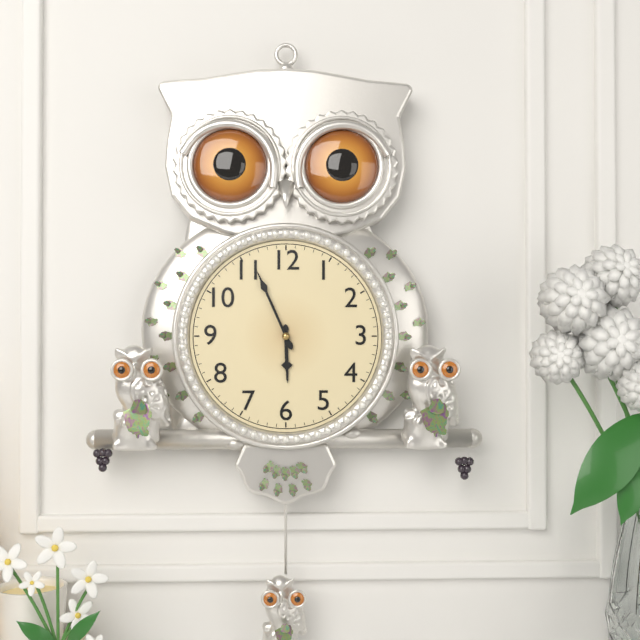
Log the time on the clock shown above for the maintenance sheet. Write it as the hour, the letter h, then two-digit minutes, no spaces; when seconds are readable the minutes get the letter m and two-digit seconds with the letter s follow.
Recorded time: 5h56
